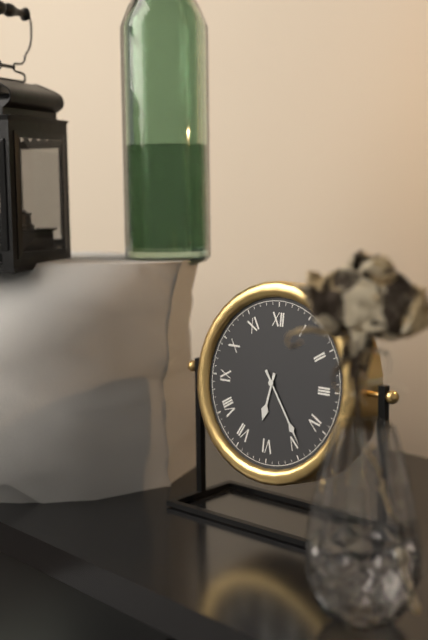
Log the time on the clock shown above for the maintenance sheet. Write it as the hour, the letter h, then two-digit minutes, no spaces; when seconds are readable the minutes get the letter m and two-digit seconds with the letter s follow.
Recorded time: 6h24
